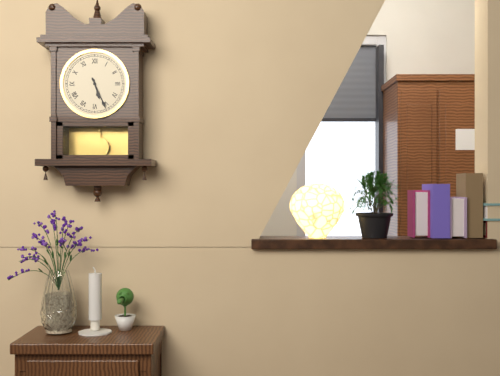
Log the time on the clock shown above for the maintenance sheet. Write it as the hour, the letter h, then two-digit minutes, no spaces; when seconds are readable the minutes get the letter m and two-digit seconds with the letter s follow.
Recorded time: 5h26
